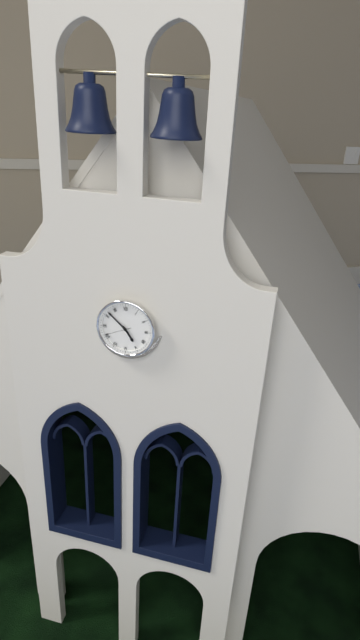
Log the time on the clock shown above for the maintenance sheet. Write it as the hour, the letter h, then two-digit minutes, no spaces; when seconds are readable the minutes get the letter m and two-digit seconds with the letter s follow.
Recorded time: 4h52
